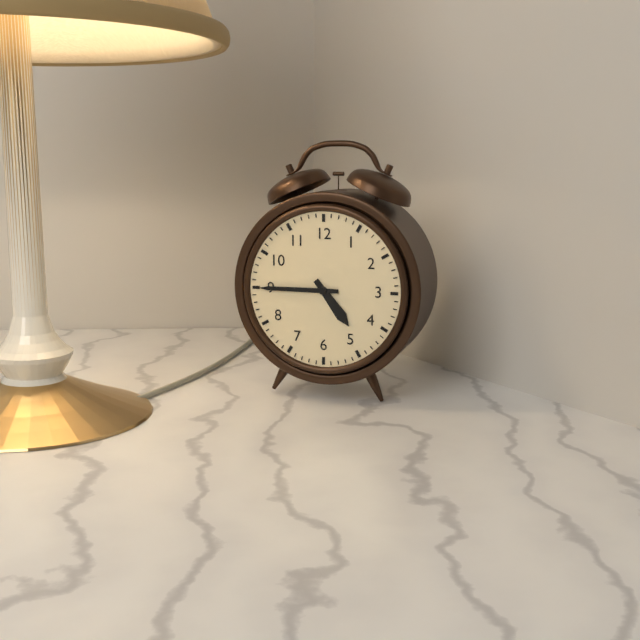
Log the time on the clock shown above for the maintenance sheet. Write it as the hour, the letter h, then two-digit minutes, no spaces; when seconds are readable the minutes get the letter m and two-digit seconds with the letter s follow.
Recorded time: 4h45
